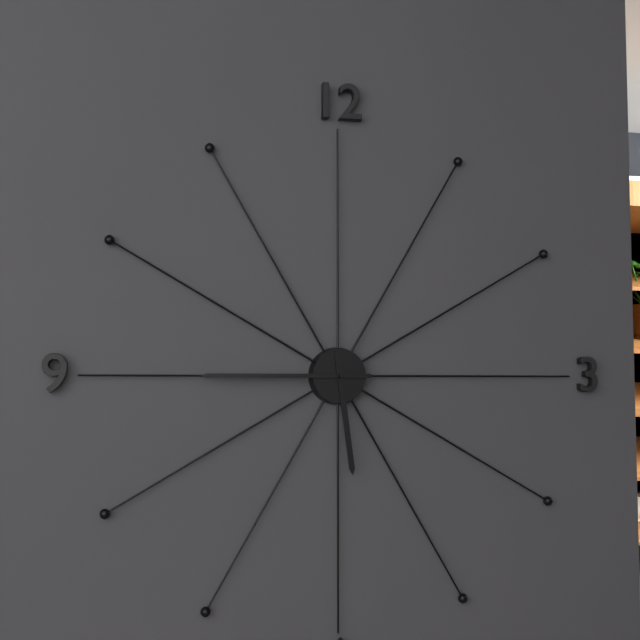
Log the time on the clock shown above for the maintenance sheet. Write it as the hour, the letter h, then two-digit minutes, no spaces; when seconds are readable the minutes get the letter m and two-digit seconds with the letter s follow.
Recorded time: 5h45
